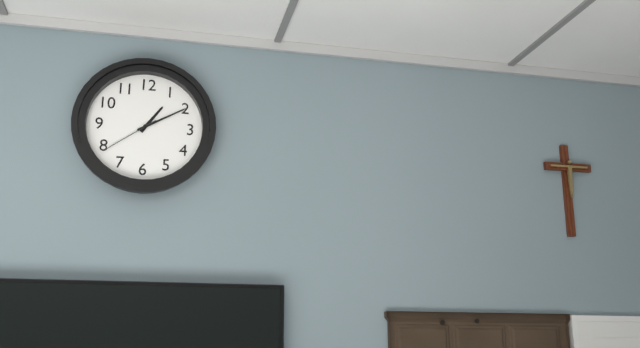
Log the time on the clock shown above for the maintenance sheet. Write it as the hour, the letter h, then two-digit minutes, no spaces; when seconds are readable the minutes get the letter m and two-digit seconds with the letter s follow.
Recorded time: 1h10m39s
